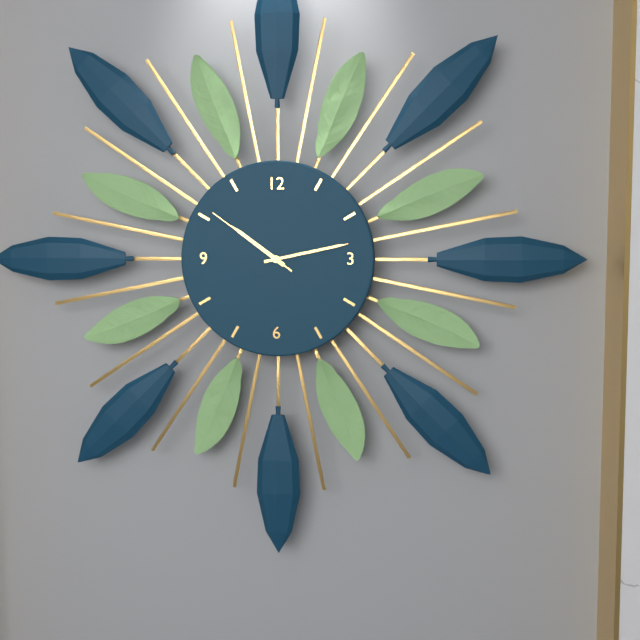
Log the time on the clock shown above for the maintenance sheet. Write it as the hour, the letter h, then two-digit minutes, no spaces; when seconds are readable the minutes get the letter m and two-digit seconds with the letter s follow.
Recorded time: 10h13m51s
